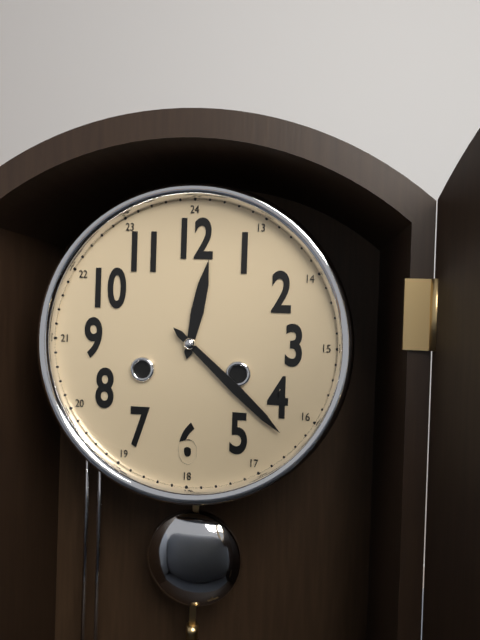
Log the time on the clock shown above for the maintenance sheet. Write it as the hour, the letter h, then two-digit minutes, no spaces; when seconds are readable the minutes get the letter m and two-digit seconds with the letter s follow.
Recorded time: 12h22
